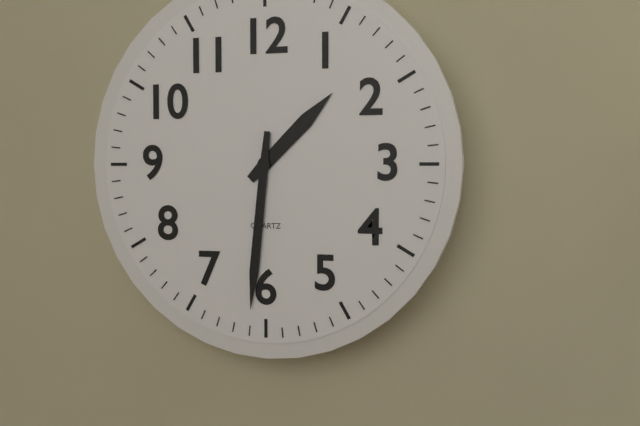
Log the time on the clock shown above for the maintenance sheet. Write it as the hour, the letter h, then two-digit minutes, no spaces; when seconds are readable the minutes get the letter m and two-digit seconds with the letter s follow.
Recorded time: 1h31
